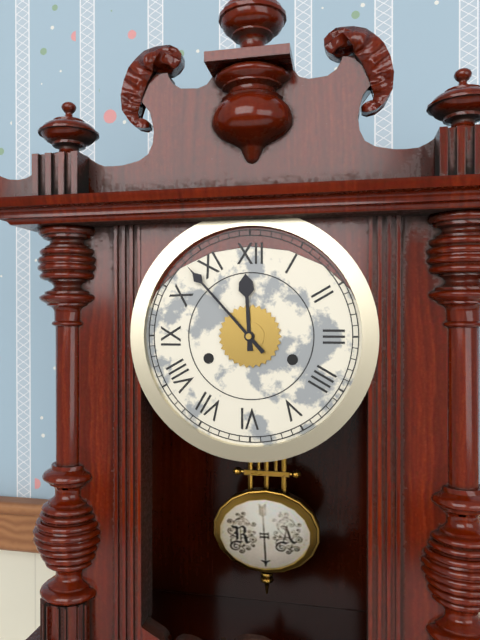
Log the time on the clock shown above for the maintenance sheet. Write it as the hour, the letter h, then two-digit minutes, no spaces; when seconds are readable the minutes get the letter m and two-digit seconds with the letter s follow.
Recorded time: 11h53
